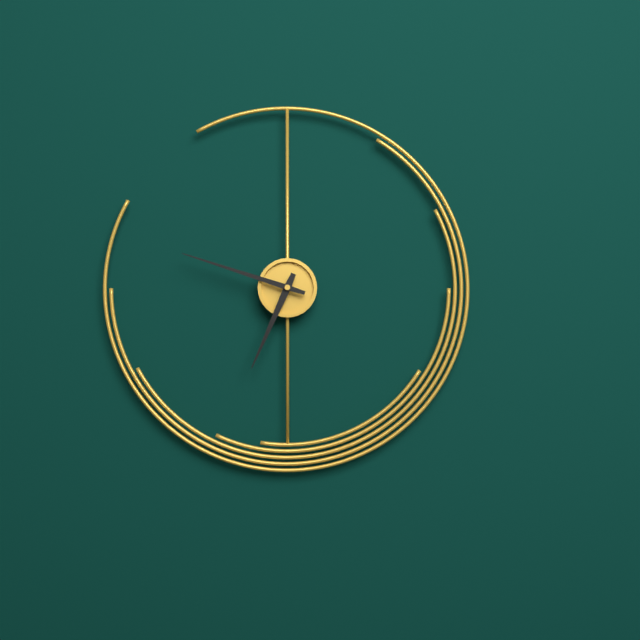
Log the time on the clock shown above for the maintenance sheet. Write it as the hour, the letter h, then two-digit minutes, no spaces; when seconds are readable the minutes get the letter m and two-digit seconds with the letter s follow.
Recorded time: 6h48
